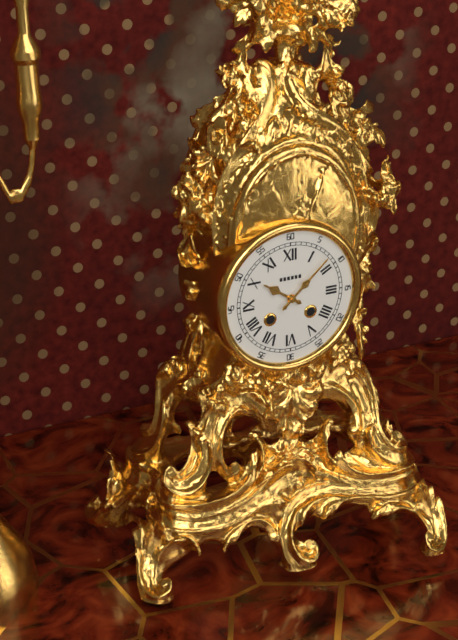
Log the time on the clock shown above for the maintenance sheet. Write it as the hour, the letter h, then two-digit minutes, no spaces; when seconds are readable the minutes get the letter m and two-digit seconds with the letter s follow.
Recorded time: 10h08
